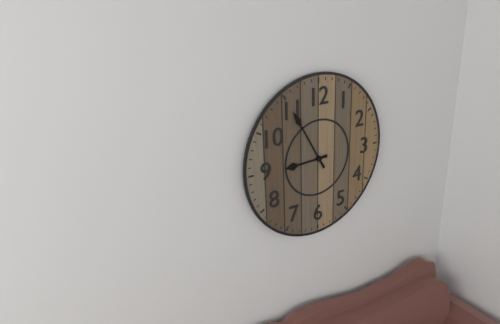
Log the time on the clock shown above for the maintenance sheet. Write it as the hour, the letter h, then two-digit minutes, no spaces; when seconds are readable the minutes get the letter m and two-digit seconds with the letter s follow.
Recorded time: 8h55
